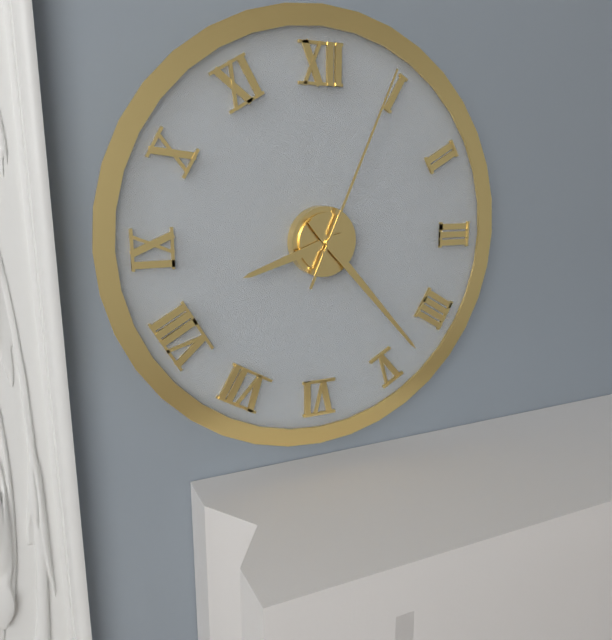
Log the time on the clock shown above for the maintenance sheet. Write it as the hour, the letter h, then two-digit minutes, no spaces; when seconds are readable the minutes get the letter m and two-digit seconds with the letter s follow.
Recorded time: 8h23m04s
